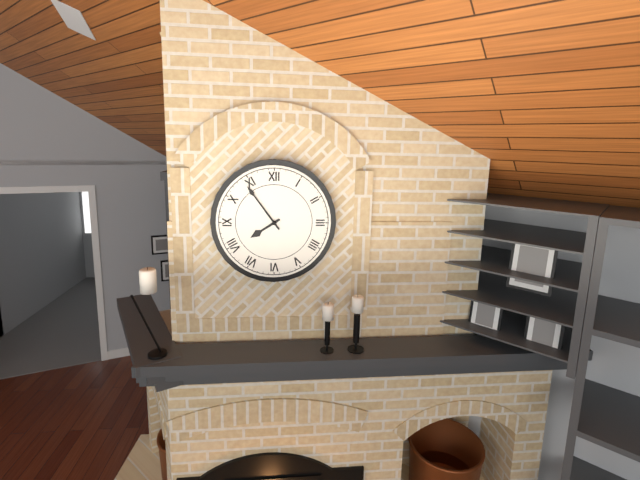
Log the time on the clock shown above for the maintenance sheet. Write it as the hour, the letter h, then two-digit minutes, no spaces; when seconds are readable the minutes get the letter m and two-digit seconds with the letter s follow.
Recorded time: 7h54
